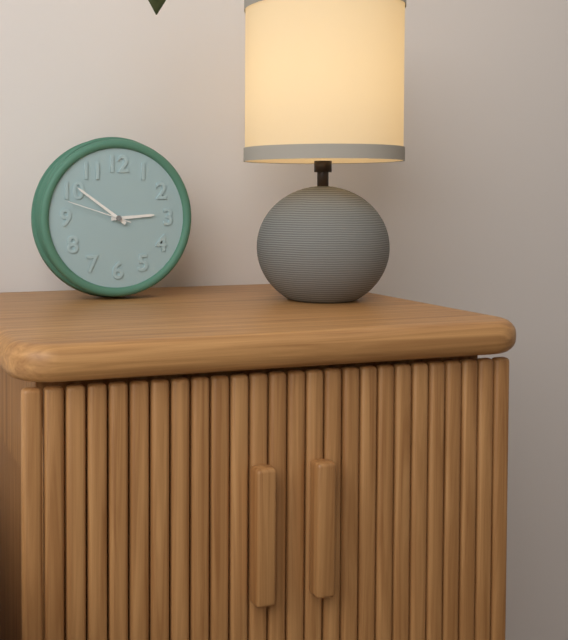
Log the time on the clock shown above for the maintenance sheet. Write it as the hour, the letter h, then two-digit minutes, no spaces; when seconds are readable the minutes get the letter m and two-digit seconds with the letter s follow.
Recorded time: 2h51m48s
